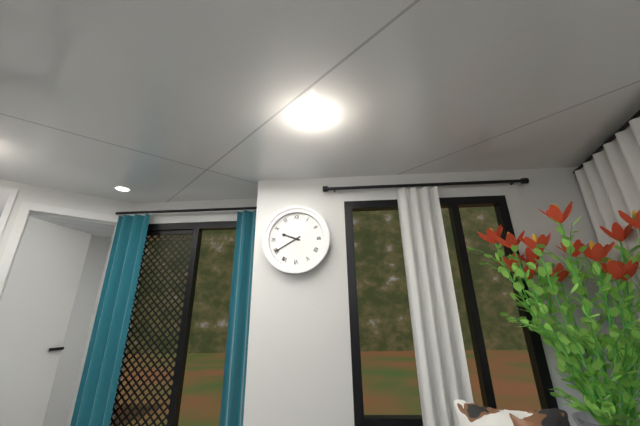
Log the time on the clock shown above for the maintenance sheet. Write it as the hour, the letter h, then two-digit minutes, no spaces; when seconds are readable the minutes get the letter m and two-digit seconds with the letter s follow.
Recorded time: 9h40
